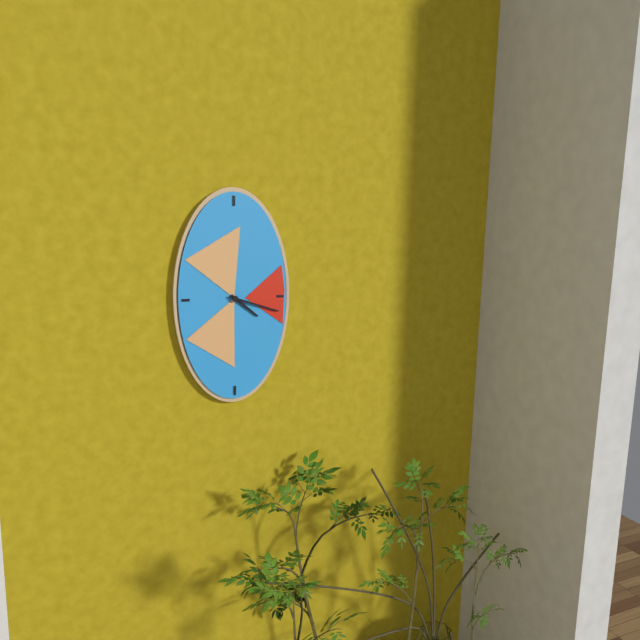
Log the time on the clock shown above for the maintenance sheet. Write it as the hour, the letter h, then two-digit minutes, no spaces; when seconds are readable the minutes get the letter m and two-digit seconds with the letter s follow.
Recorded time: 4h18
